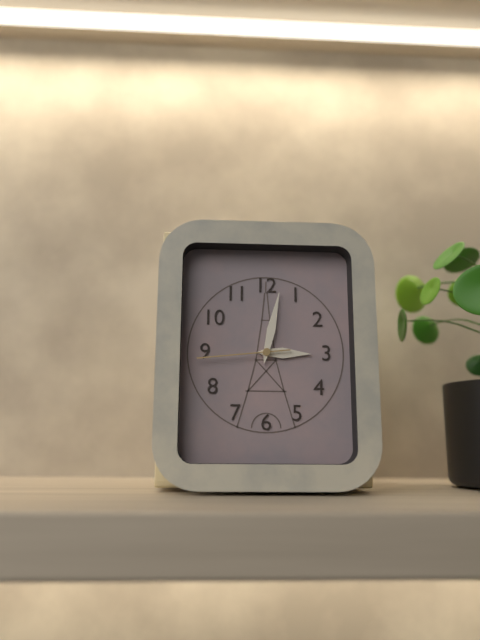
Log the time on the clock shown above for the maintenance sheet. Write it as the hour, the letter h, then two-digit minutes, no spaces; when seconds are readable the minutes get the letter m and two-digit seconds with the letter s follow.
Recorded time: 3h02m44s
